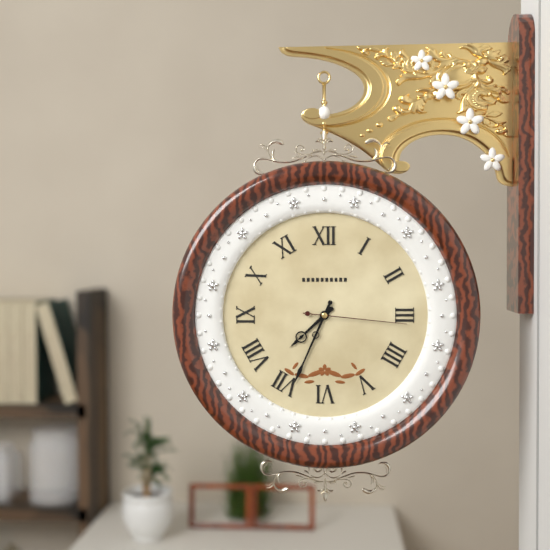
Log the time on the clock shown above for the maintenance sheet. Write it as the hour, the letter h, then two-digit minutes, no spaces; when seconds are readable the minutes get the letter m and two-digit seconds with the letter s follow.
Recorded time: 7h34m16s
